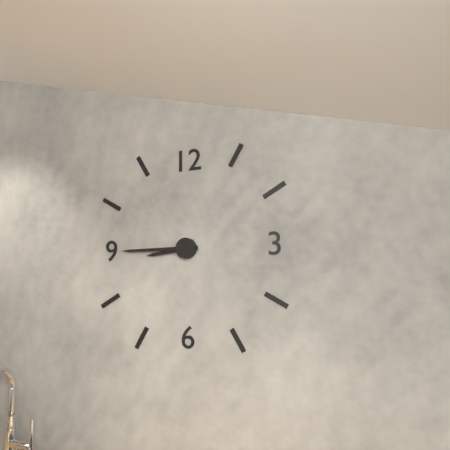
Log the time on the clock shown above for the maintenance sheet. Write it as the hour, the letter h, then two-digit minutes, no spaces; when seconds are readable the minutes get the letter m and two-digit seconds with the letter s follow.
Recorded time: 8h45
